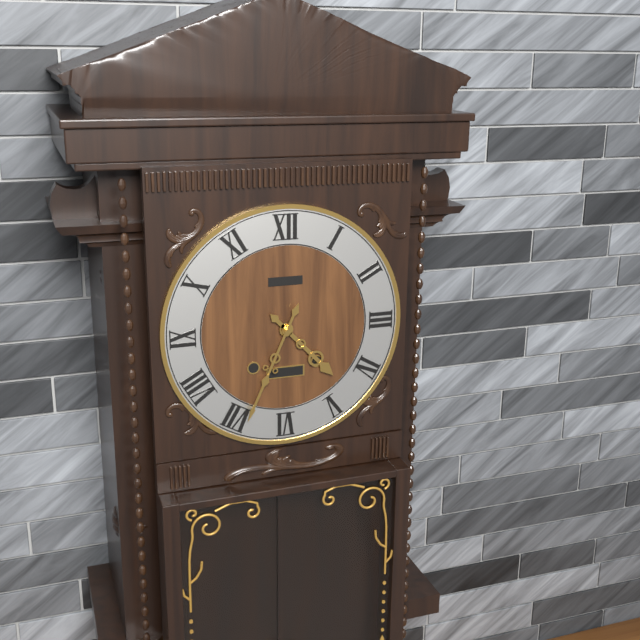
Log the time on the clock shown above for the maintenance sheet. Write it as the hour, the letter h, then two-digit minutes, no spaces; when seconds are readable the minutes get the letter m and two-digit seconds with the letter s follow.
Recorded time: 4h34
